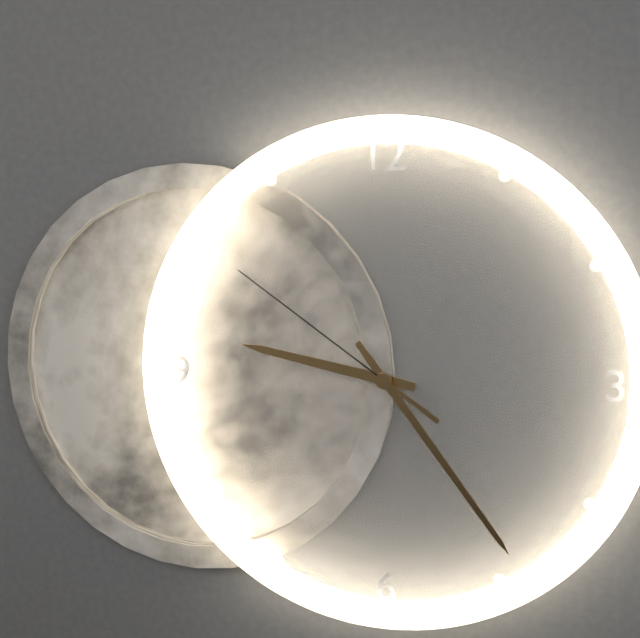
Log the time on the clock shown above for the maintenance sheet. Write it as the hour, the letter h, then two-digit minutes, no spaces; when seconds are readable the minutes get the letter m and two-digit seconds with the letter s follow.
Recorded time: 9h24m51s
